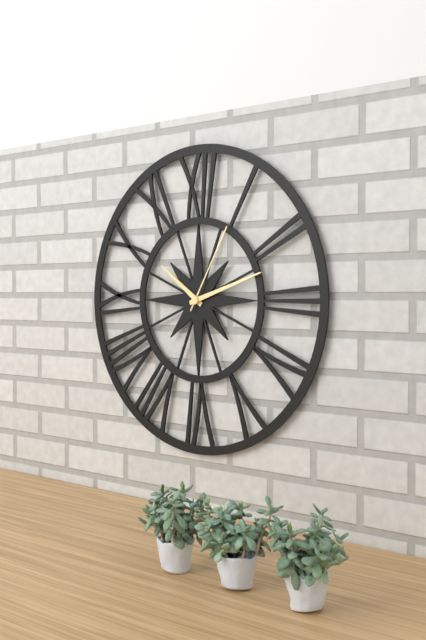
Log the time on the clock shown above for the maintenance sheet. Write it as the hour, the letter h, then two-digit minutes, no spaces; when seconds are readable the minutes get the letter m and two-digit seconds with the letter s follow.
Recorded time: 10h12m05s
